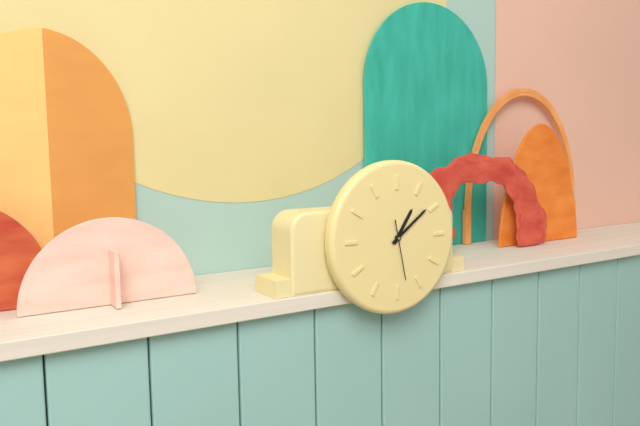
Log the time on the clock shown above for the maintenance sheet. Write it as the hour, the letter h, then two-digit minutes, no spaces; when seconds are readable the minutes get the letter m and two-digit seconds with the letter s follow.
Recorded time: 1h09m28s
